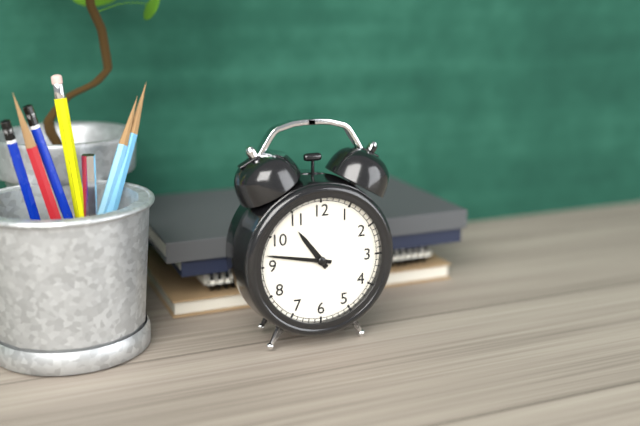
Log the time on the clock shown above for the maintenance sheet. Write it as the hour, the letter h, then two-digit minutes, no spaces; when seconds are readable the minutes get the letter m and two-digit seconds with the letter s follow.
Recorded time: 10h47
